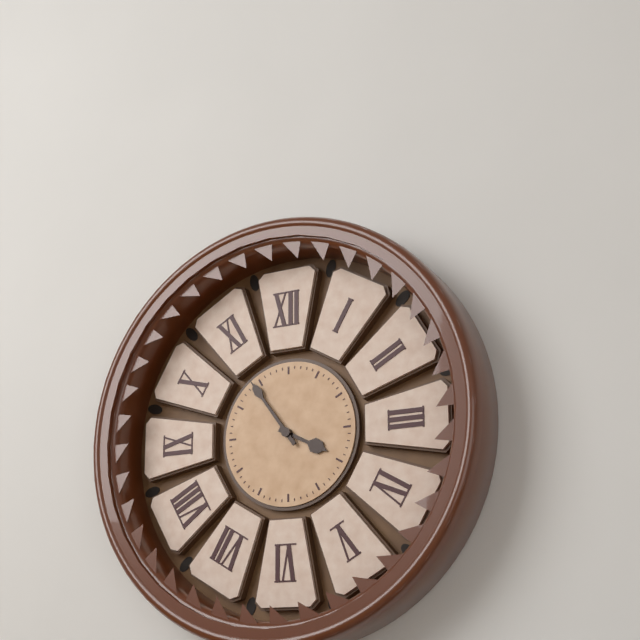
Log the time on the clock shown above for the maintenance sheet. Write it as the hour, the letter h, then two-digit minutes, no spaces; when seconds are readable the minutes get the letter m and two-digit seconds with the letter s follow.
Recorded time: 3h54
